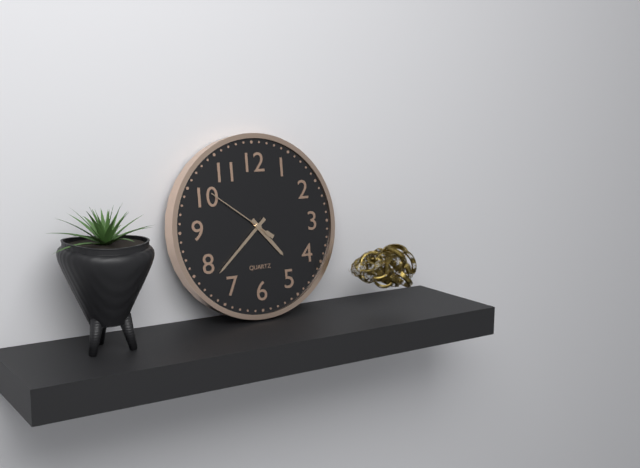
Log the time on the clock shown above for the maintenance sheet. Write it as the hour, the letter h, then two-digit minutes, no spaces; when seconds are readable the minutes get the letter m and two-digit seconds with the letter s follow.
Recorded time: 4h38m51s
